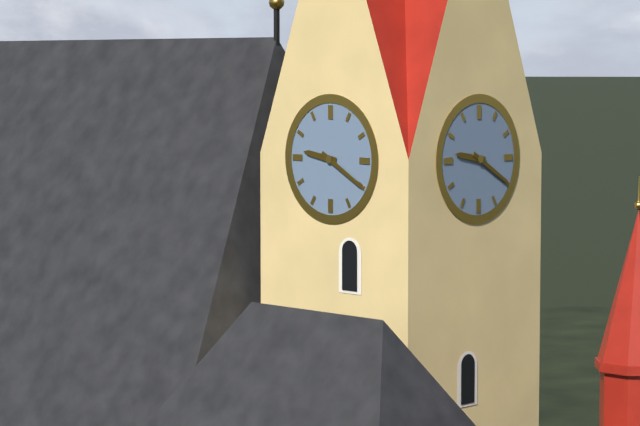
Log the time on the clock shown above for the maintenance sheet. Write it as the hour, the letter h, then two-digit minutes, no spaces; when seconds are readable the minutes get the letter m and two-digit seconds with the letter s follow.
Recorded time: 9h20
